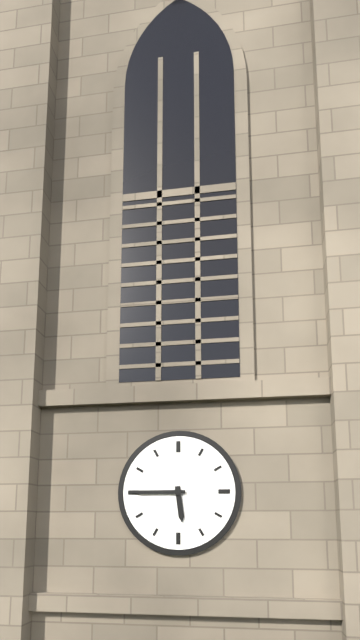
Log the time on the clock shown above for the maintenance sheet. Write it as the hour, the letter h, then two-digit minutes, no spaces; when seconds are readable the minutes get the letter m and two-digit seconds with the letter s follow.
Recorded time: 5h45
